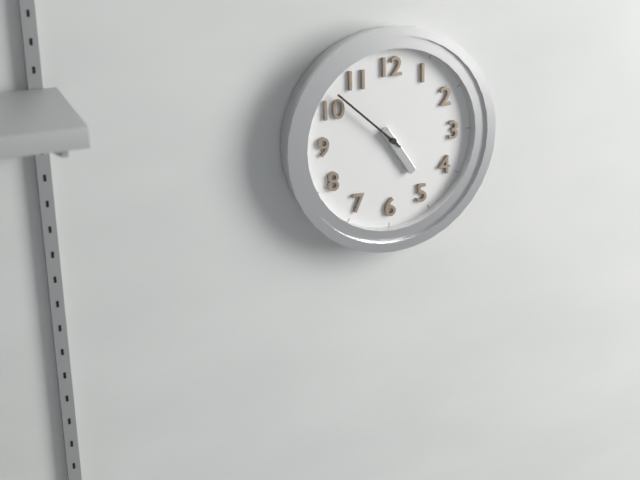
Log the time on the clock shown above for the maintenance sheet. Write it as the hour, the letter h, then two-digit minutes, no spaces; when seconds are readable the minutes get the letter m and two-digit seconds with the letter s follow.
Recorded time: 4h52
